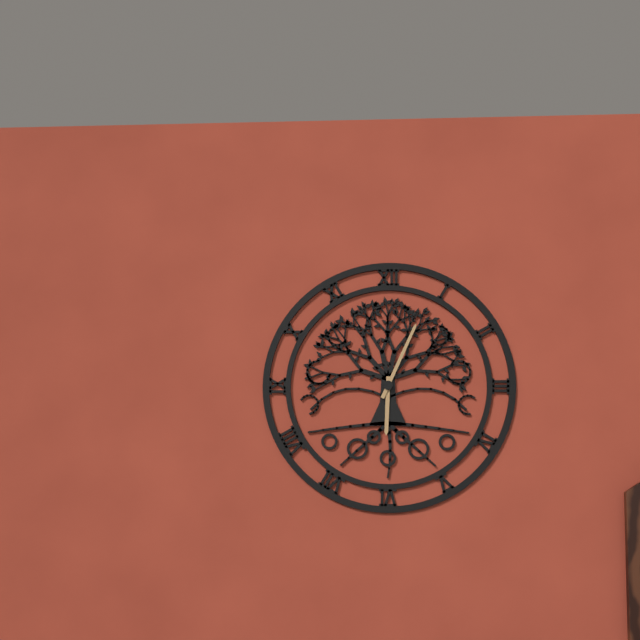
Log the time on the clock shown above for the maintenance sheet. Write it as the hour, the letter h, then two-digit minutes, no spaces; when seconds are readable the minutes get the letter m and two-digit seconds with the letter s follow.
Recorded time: 6h04
